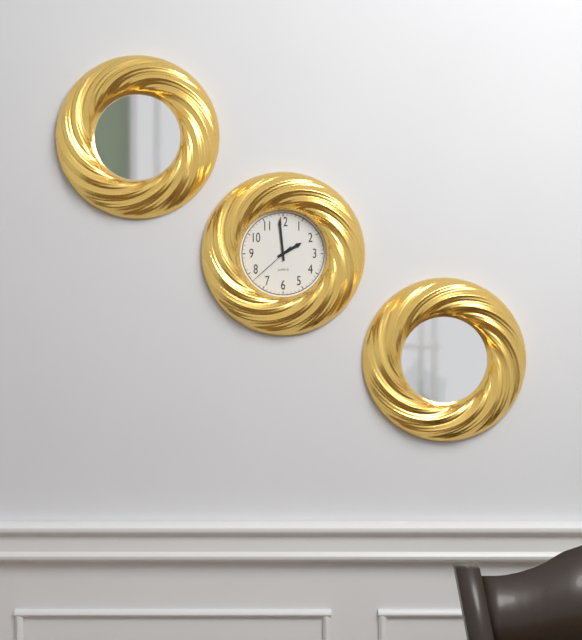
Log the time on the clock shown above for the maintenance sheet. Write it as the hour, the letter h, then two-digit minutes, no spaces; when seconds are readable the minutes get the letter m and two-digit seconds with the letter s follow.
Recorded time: 1h59
